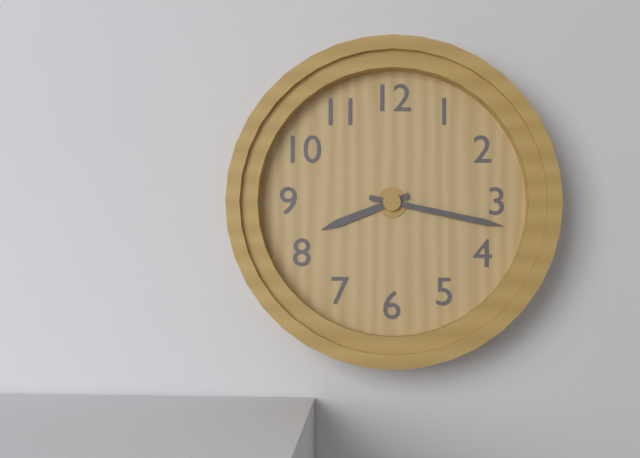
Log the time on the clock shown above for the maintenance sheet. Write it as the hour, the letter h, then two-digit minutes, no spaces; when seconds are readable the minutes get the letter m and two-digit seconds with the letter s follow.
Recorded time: 8h17
